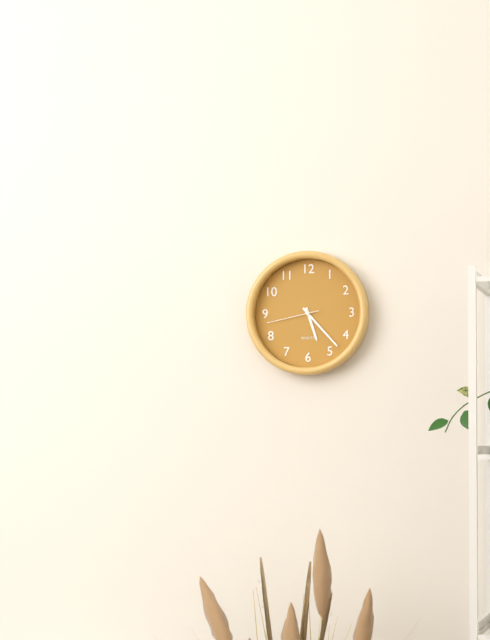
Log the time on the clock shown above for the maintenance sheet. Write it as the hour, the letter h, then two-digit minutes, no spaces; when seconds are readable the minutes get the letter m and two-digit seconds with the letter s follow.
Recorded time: 5h23m43s
